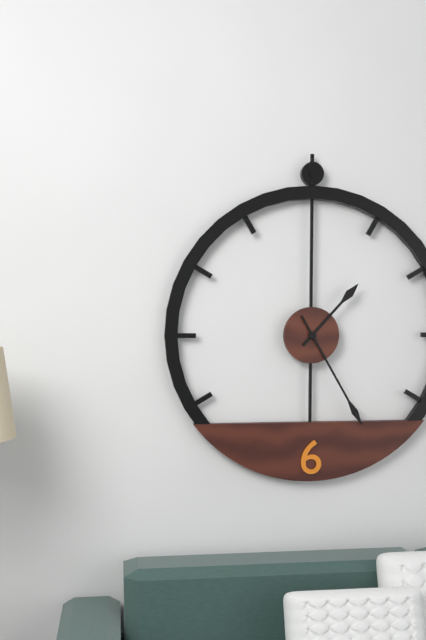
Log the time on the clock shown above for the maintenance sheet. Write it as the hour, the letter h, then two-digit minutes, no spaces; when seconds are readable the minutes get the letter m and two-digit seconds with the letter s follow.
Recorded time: 1h25
